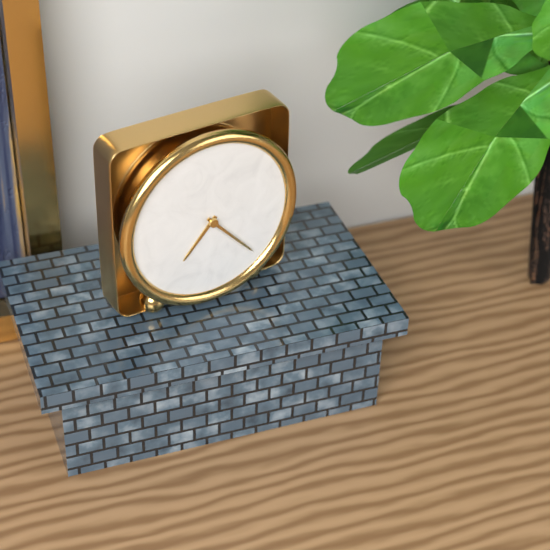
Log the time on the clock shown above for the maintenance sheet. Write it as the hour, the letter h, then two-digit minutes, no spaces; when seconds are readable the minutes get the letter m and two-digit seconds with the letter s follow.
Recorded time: 7h23
